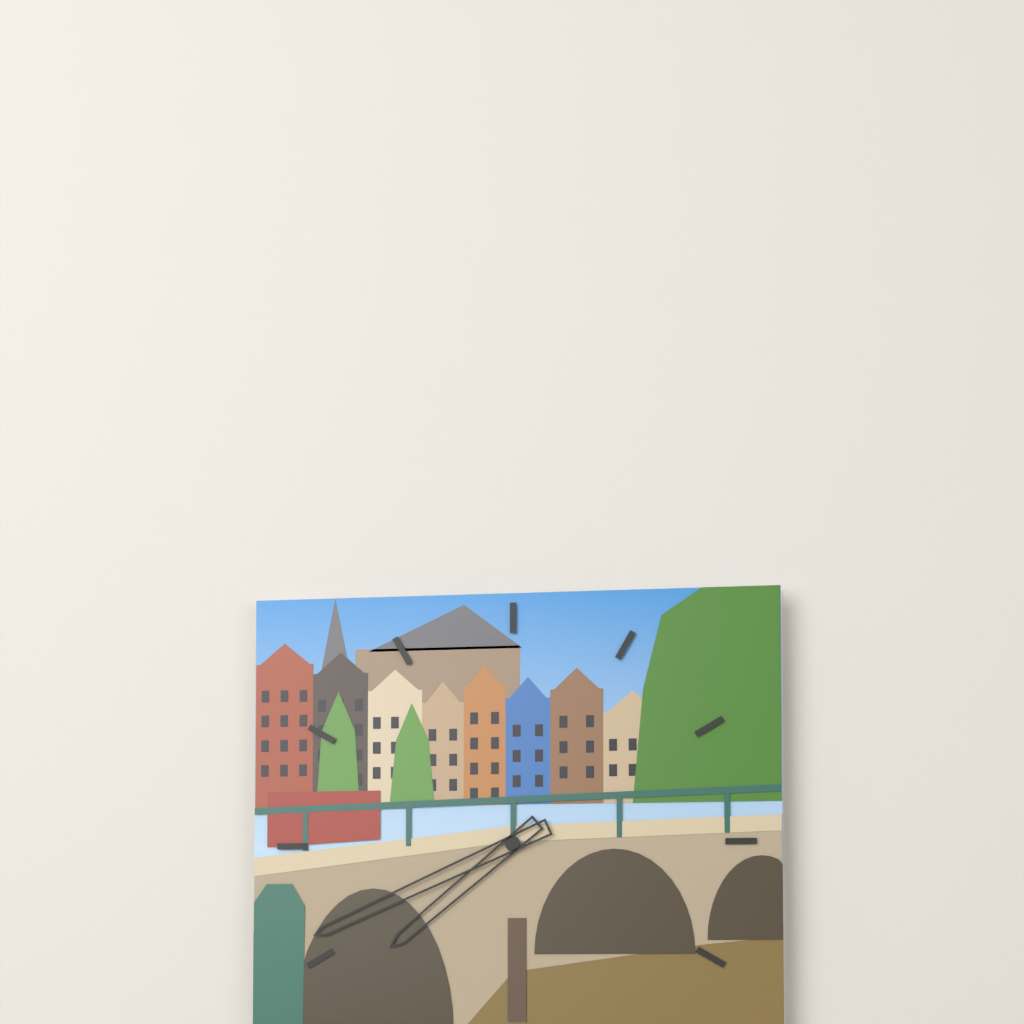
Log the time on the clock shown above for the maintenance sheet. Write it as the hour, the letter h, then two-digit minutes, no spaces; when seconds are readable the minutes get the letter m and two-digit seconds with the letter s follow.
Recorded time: 7h41
